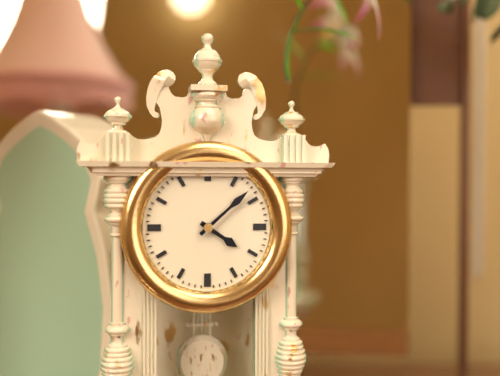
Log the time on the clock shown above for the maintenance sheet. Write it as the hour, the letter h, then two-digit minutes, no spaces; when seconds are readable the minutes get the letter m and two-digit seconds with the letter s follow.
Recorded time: 4h08
